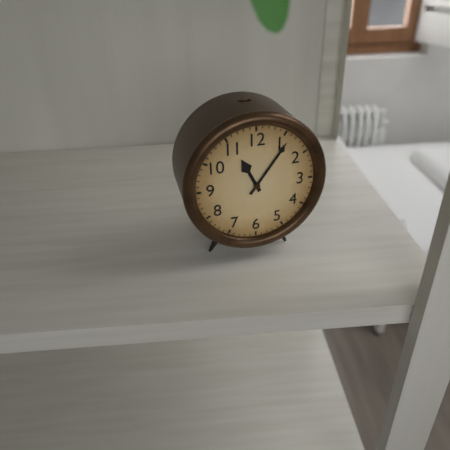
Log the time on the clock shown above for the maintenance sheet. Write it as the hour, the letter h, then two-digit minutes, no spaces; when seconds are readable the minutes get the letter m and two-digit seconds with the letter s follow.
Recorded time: 11h06
